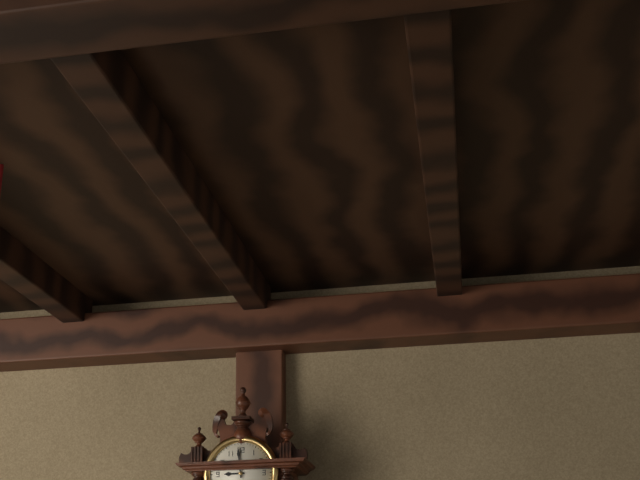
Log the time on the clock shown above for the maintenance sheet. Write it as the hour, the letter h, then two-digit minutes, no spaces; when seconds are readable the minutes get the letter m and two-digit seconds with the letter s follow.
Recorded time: 8h59
